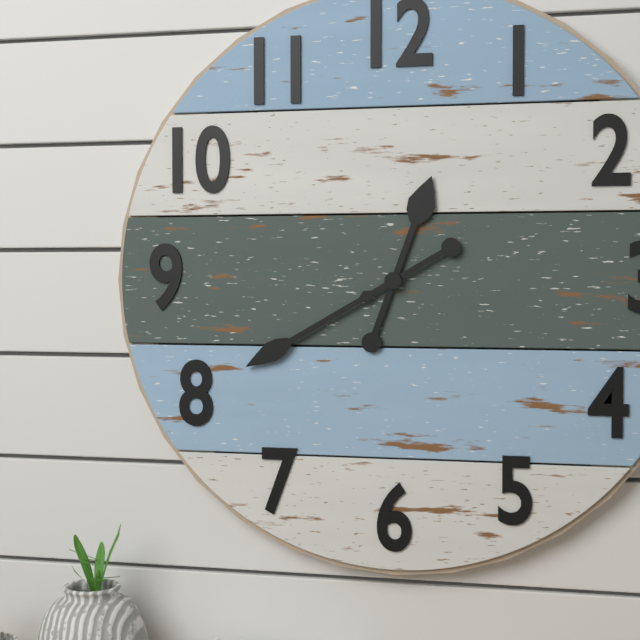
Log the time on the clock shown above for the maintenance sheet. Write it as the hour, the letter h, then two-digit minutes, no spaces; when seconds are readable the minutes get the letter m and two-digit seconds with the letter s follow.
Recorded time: 12h40
